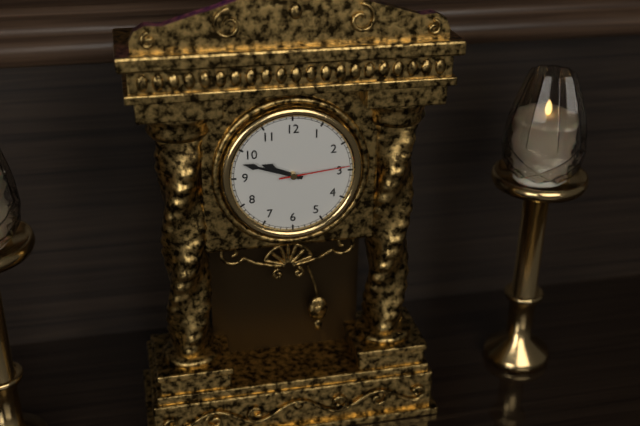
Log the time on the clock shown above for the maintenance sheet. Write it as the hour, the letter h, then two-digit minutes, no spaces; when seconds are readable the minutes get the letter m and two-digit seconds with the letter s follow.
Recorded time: 9h48m14s
